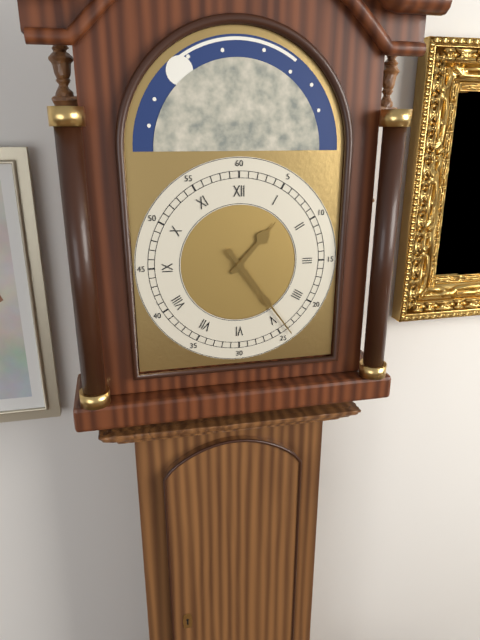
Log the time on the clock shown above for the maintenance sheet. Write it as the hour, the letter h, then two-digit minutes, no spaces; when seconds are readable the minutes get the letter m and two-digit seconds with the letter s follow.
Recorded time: 1h24
